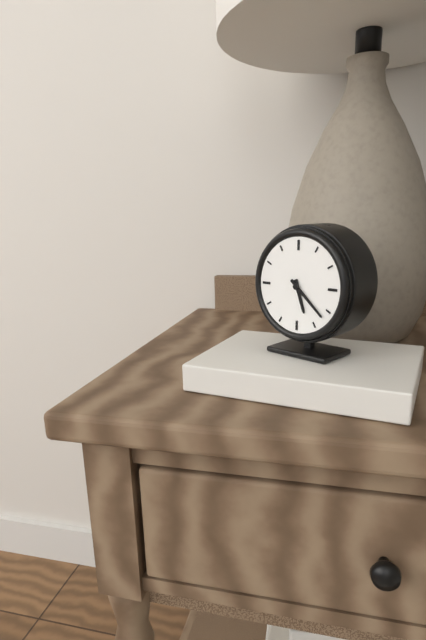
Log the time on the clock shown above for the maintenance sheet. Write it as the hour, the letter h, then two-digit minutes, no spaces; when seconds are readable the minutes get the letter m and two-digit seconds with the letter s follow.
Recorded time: 5h22
